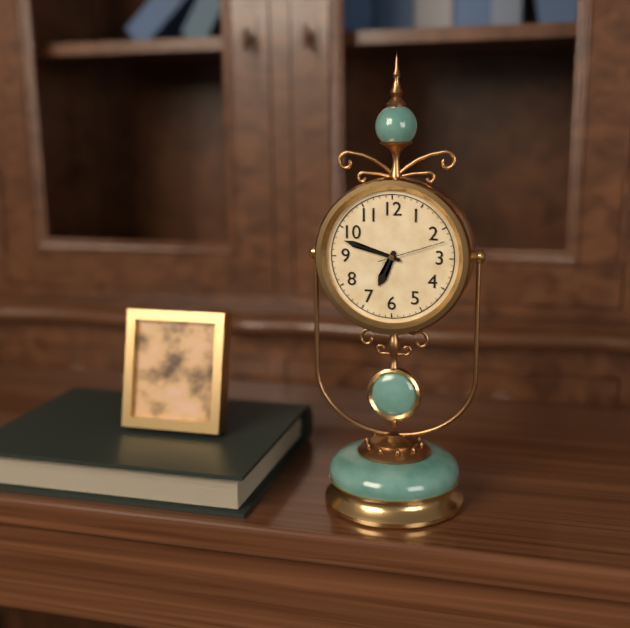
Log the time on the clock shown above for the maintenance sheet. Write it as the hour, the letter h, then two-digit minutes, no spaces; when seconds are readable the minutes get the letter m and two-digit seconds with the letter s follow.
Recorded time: 6h48m12s
